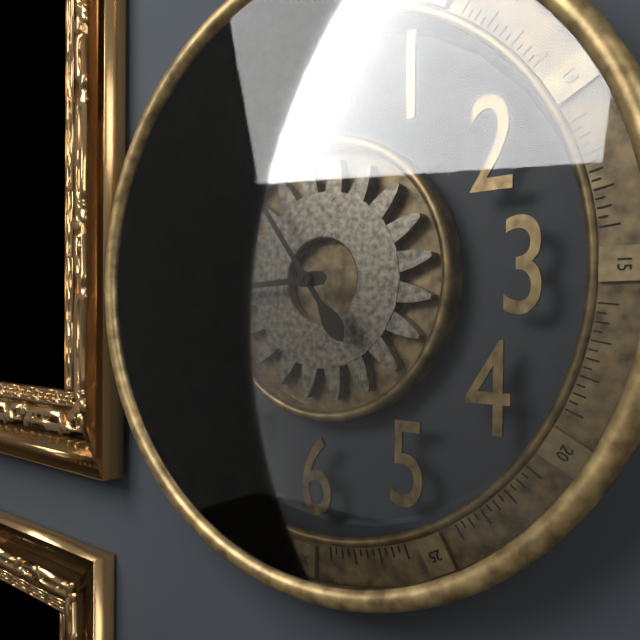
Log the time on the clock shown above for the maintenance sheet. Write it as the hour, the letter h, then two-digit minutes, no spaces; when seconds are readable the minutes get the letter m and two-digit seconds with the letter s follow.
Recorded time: 8h54
